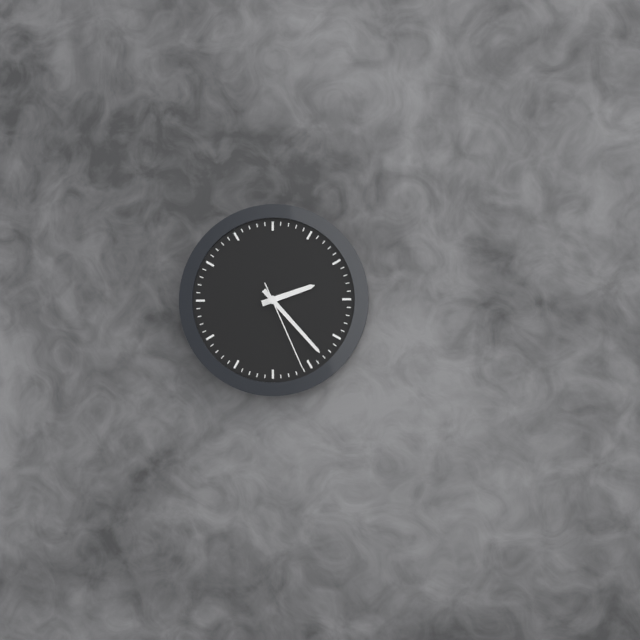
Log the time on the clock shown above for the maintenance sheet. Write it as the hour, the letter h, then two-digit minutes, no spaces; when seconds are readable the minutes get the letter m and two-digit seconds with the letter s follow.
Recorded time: 2h23m26s
